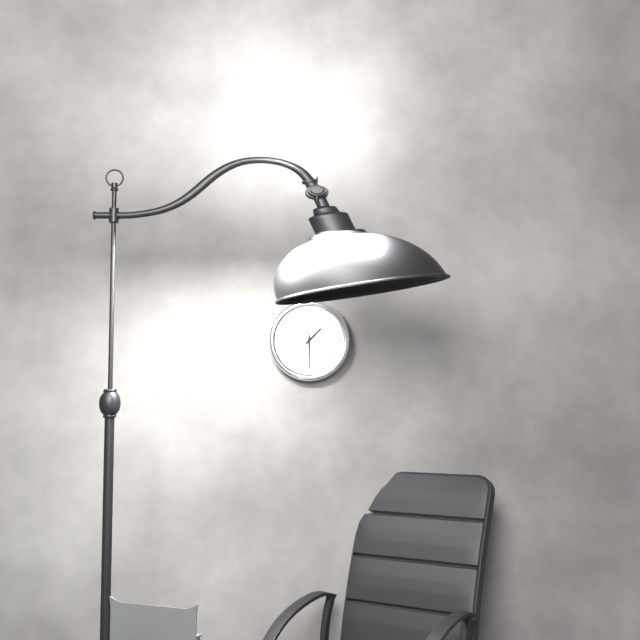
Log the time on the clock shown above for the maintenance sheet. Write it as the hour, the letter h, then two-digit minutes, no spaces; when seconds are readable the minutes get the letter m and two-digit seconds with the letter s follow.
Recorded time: 1h30
